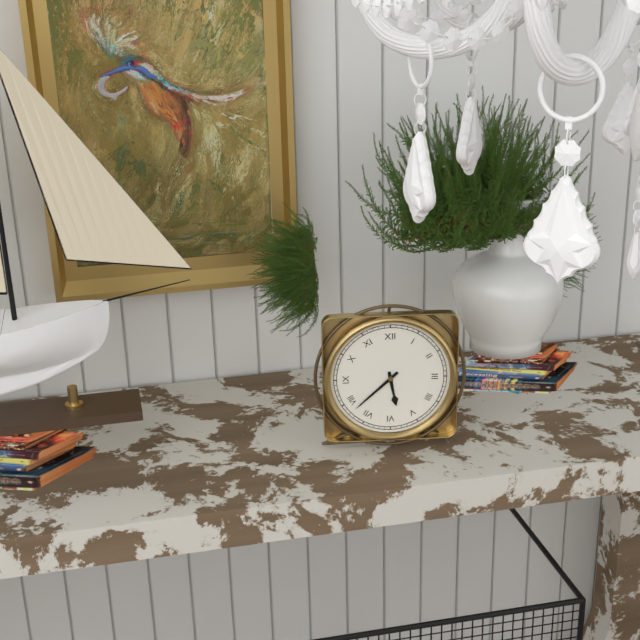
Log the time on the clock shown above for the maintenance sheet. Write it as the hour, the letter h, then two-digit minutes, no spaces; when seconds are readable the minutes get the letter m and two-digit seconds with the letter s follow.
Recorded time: 5h38
